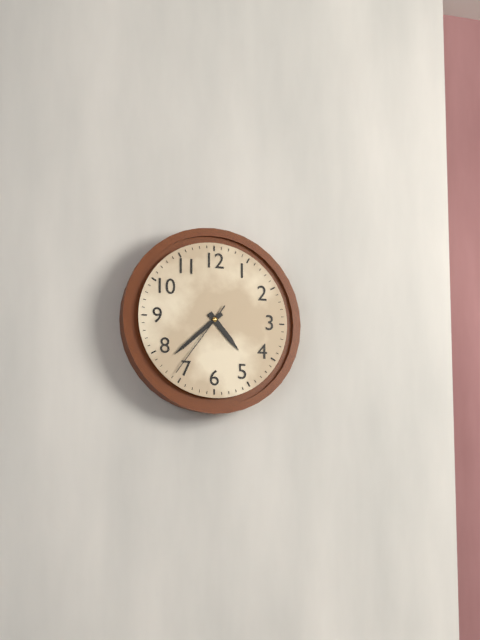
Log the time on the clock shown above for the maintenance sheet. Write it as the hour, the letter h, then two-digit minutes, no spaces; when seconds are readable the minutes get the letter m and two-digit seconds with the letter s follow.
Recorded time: 4h38m36s
